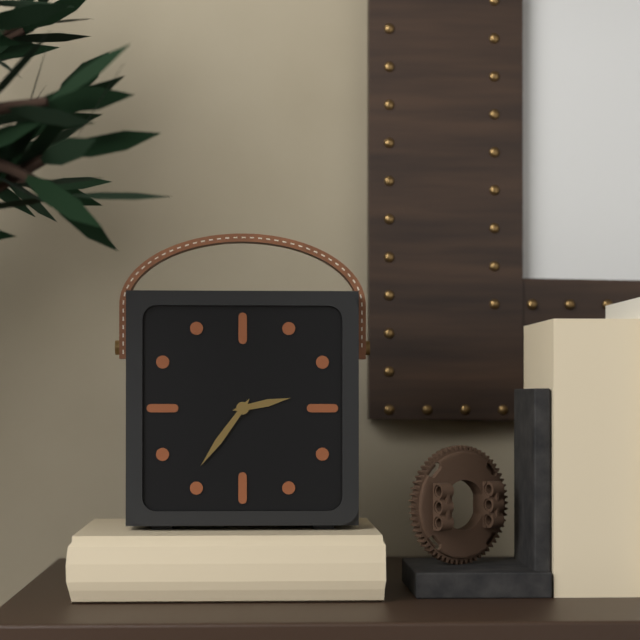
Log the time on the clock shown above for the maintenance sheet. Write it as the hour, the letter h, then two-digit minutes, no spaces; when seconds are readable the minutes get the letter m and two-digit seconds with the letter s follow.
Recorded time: 2h36
